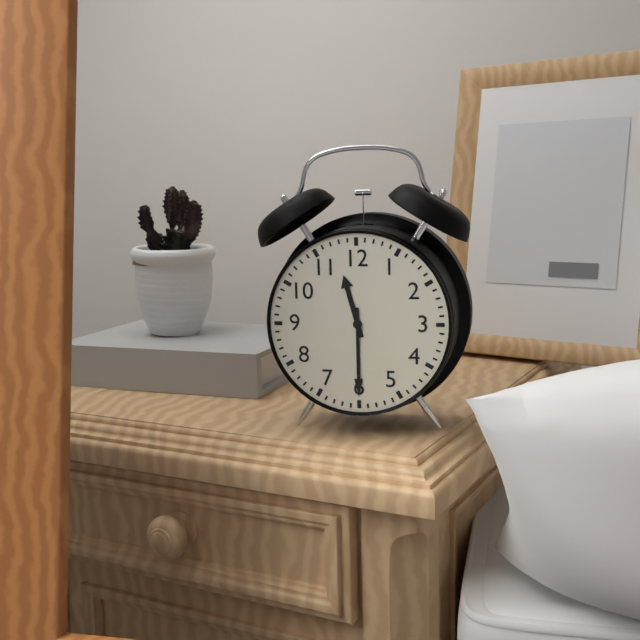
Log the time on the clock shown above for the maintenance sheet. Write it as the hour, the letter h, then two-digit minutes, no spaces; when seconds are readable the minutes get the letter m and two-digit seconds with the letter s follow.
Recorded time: 11h30
